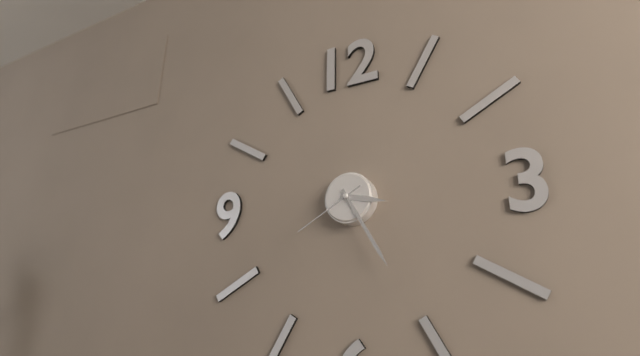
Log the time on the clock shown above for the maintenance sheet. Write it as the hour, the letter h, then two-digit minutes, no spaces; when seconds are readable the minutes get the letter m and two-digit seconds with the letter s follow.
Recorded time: 3h25m40s
